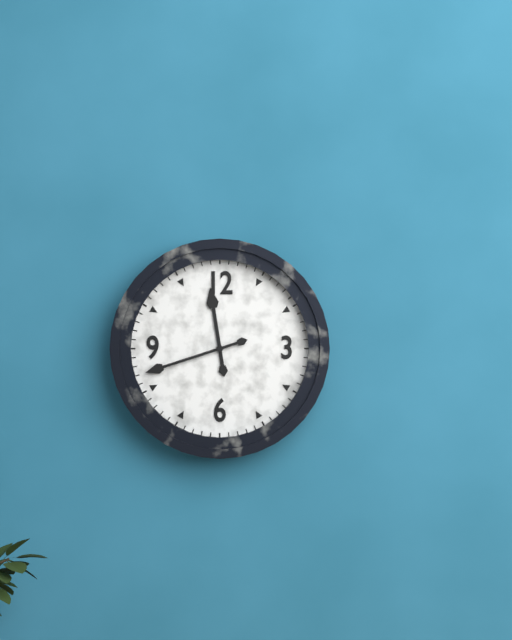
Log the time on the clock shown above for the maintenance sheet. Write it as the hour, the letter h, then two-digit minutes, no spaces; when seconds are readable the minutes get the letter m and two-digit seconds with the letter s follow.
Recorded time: 11h42
